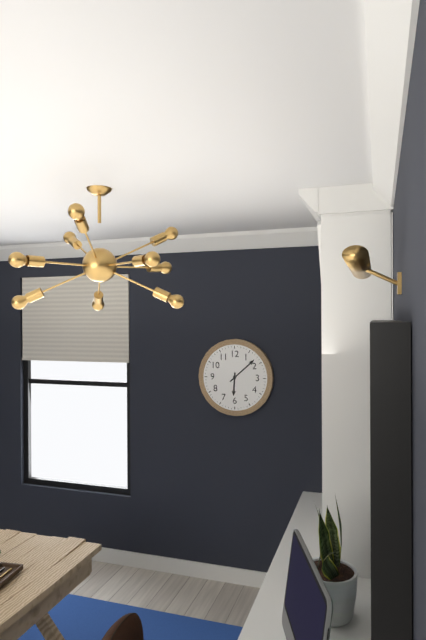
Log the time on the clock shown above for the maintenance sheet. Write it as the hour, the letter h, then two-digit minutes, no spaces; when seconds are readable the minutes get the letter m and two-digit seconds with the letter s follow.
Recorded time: 6h08
